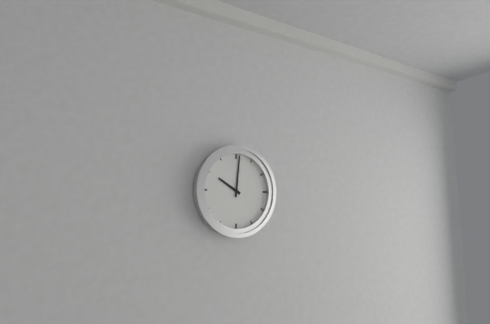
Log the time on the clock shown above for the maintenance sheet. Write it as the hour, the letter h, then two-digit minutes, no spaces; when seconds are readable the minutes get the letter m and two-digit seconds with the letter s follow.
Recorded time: 10h01
